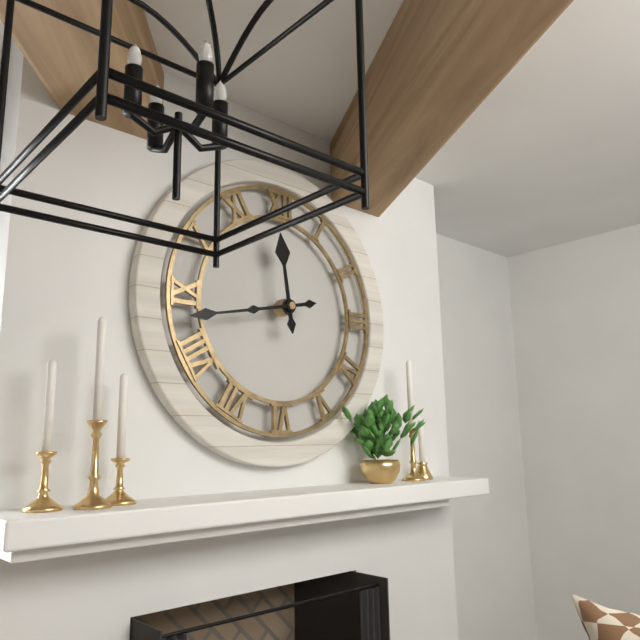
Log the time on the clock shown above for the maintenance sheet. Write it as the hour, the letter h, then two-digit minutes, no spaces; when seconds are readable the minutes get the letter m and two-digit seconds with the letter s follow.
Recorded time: 11h43
